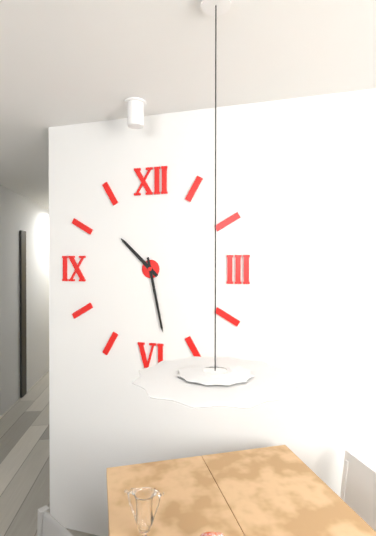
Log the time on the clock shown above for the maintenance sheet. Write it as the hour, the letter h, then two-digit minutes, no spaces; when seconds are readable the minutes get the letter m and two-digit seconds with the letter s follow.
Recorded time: 10h28
